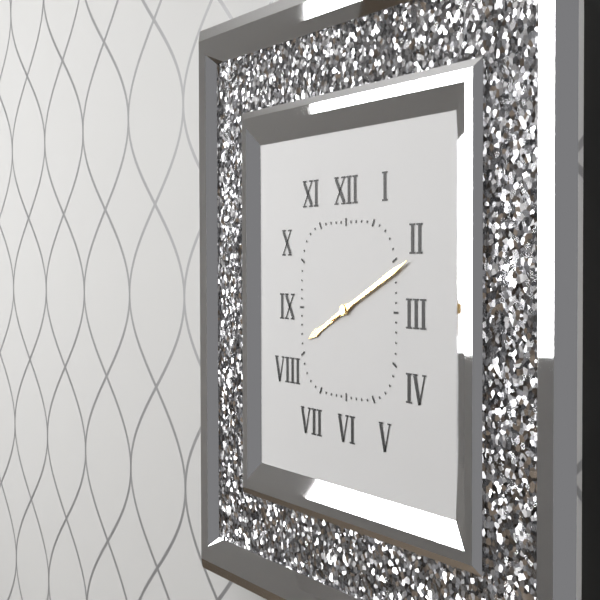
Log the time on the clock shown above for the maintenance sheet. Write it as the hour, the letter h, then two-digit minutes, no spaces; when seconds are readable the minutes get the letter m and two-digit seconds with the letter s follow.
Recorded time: 8h11
